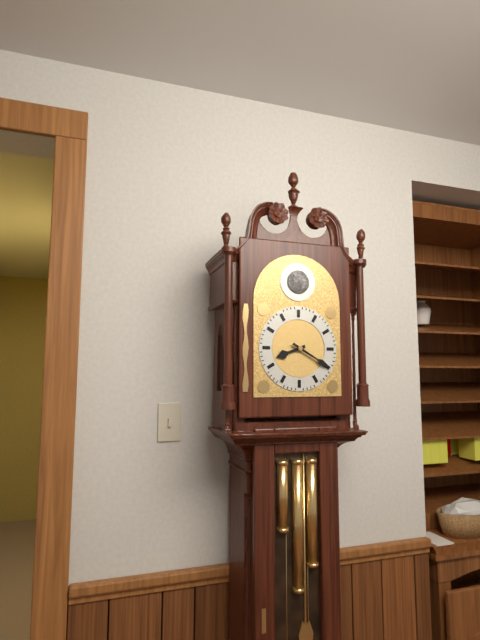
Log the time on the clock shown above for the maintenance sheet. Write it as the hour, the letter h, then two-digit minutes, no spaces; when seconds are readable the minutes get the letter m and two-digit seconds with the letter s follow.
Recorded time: 8h20
